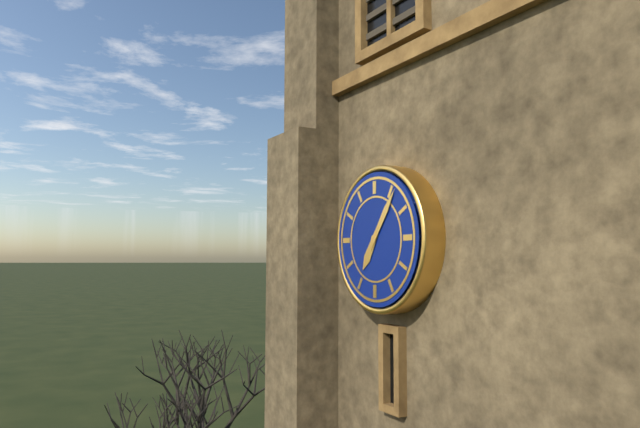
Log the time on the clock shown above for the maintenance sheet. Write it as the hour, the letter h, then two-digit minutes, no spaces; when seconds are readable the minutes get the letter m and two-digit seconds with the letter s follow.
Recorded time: 7h06
